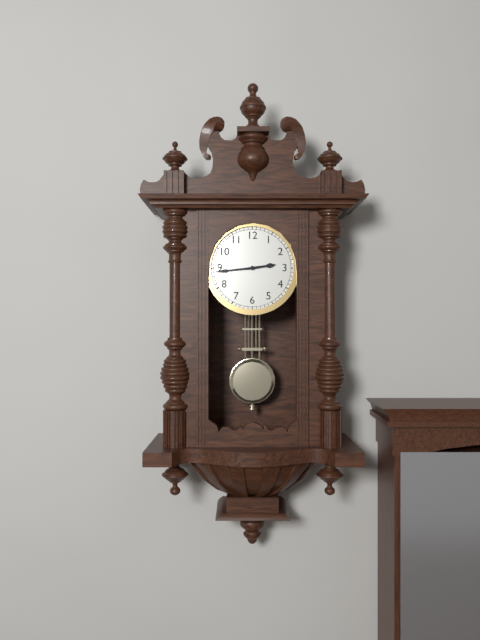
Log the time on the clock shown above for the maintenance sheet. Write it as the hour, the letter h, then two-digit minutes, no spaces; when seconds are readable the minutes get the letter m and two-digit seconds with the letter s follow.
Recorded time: 2h44
